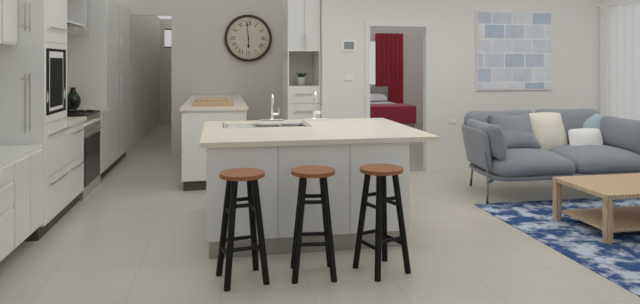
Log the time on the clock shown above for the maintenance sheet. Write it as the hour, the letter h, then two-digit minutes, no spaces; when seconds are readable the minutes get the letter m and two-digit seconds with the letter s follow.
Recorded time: 5h59
